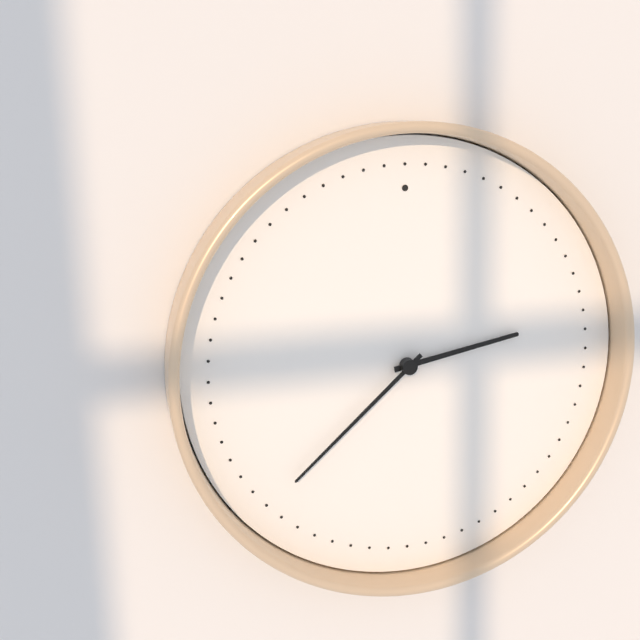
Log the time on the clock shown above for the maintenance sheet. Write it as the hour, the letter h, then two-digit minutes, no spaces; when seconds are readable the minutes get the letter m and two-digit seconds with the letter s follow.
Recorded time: 2h38
